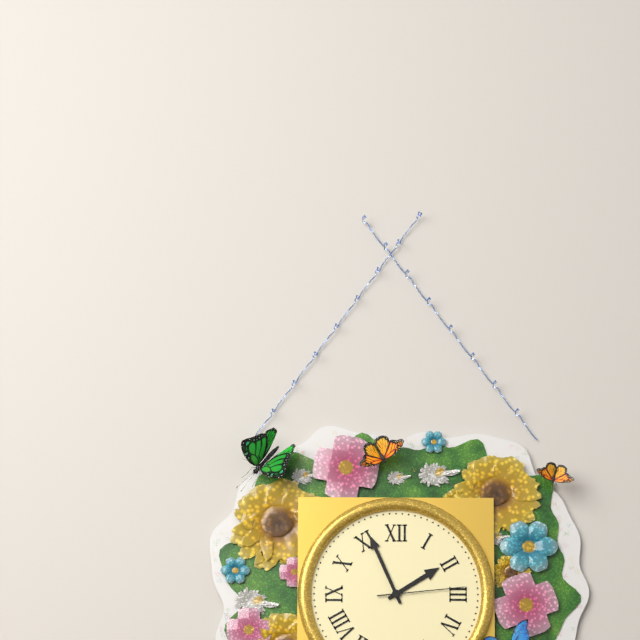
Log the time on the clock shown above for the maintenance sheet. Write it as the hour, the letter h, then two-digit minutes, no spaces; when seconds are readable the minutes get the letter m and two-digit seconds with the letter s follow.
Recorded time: 1h56m14s
